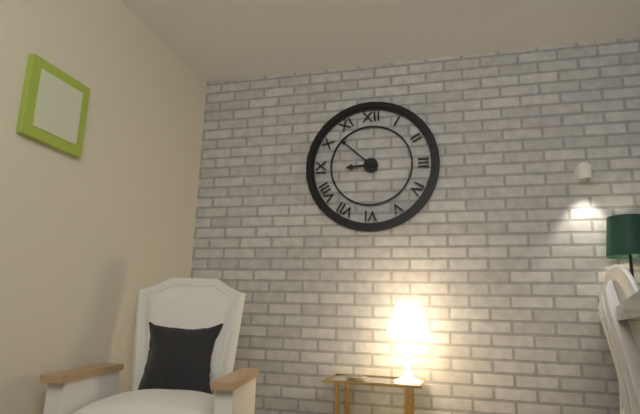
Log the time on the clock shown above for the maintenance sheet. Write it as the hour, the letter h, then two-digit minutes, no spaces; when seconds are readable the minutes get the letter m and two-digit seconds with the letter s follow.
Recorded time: 8h52
